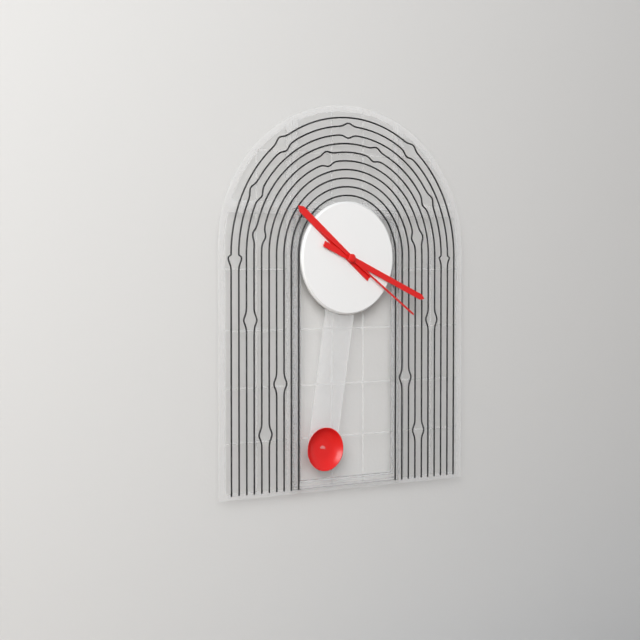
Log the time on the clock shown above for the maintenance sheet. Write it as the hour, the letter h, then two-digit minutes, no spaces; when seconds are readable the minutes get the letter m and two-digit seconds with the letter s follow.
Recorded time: 10h19m21s
